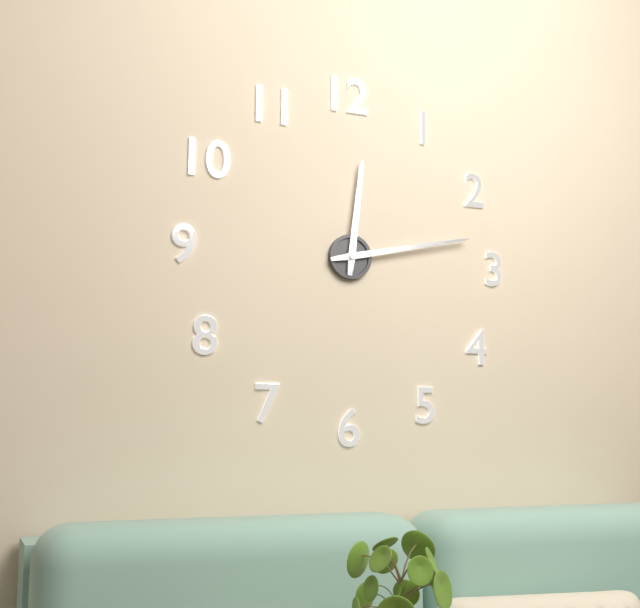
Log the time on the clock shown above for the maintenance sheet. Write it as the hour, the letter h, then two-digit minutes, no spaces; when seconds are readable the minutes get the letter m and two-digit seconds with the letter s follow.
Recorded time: 12h13
